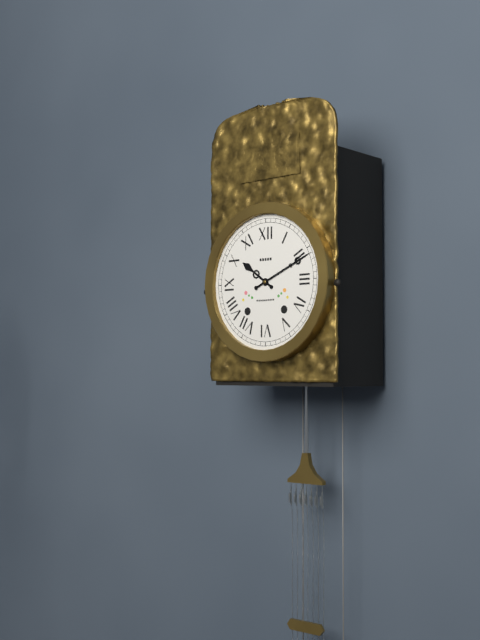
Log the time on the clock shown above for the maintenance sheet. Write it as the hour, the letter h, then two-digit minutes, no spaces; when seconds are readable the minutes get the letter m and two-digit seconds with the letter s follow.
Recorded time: 10h11
